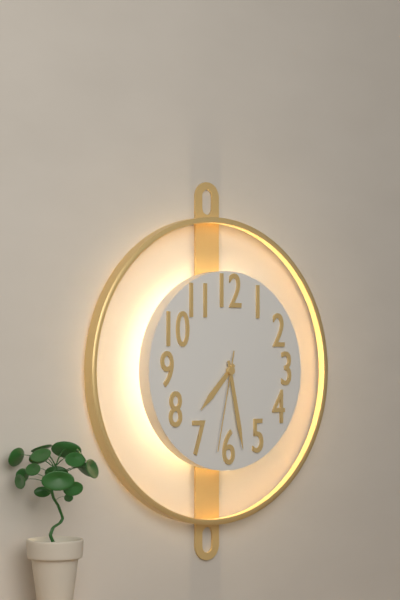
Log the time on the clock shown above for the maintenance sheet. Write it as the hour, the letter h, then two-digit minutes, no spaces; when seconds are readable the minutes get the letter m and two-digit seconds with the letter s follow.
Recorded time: 7h28m32s
